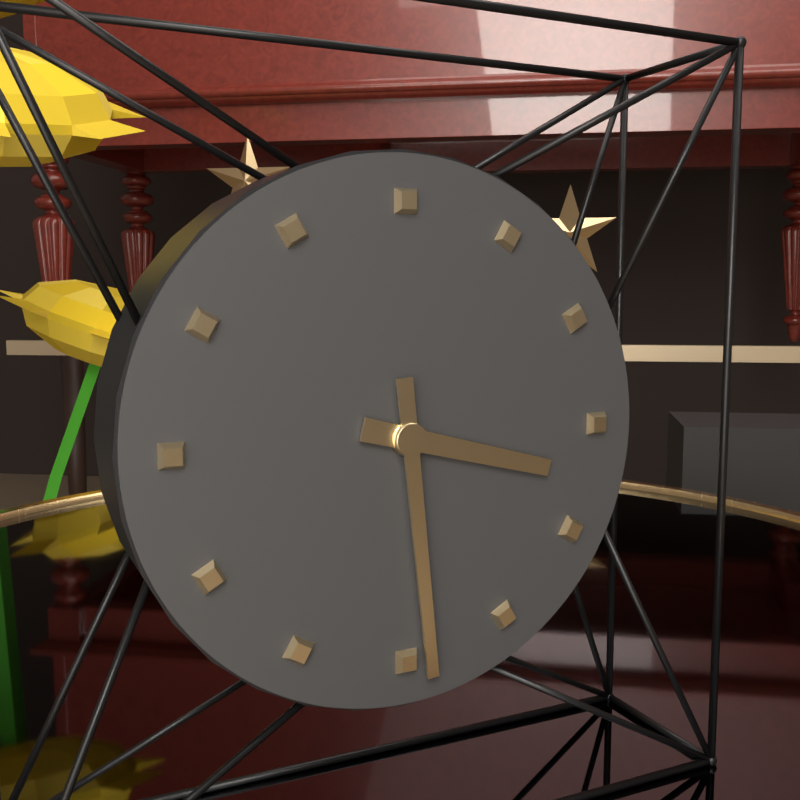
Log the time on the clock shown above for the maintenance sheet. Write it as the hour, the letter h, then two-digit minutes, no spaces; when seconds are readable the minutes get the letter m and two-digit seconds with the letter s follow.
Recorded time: 3h29
